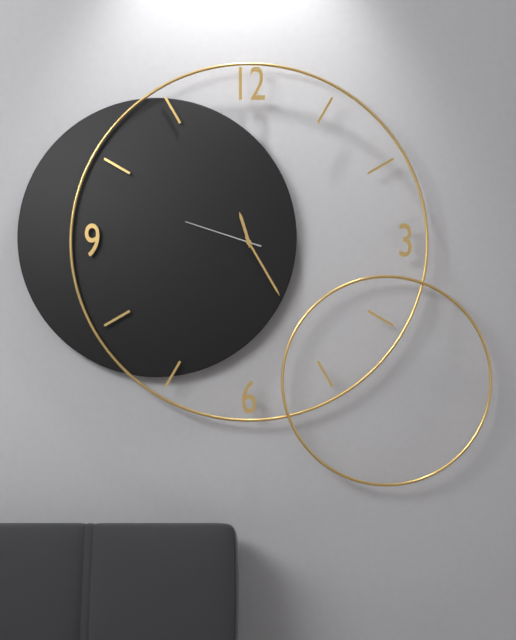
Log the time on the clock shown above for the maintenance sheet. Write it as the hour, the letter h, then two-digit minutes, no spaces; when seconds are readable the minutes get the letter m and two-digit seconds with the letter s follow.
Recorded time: 11h25m48s
